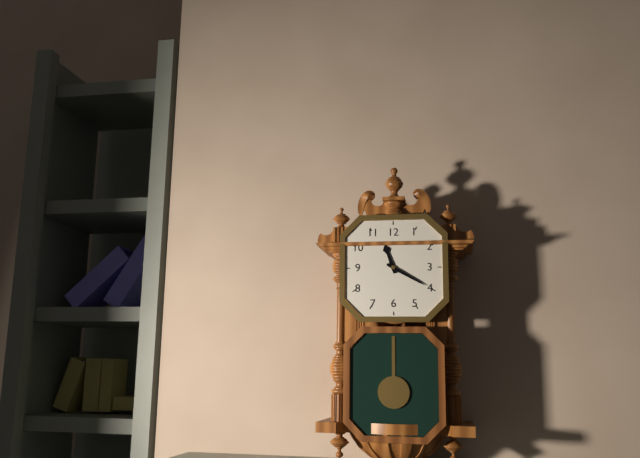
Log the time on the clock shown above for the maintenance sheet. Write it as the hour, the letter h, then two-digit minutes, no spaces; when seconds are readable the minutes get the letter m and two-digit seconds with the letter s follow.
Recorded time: 11h20
